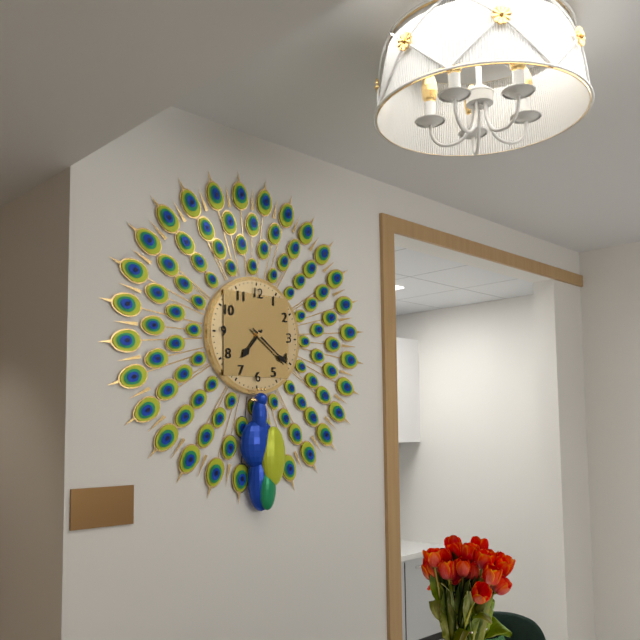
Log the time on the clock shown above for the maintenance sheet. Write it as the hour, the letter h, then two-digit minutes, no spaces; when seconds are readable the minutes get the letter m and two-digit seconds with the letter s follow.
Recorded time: 7h21
